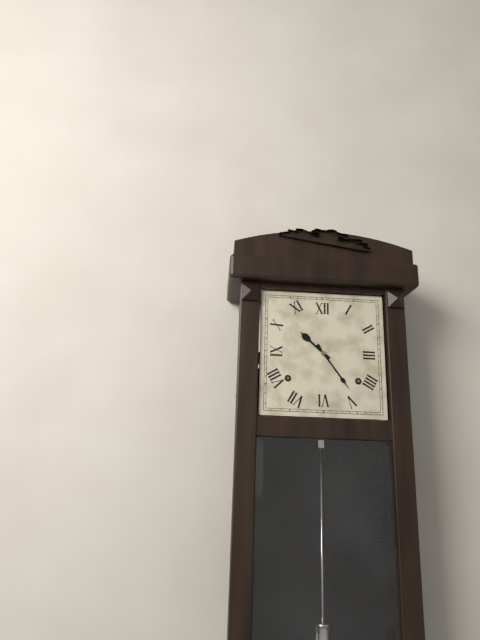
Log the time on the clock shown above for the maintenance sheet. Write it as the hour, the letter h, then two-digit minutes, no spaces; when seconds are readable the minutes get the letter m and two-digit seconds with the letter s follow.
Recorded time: 10h24
